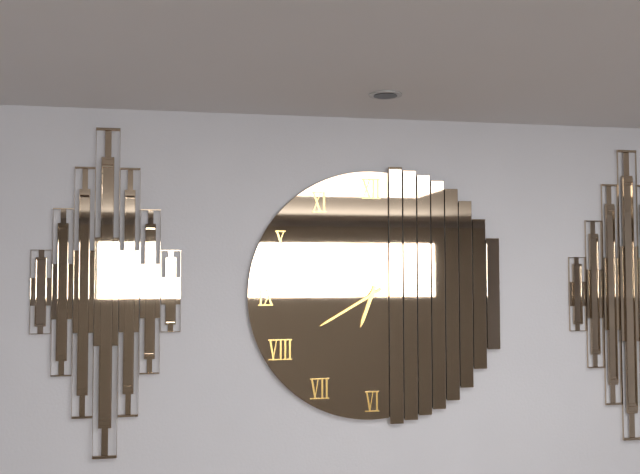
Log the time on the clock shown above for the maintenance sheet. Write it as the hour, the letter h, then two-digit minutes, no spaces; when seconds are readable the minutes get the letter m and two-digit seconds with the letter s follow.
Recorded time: 6h40
